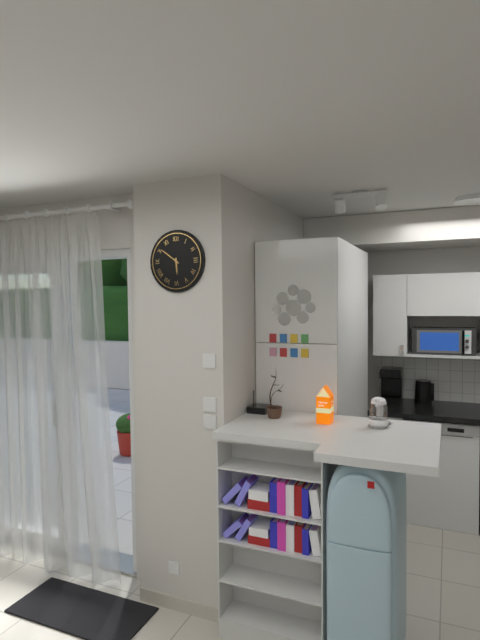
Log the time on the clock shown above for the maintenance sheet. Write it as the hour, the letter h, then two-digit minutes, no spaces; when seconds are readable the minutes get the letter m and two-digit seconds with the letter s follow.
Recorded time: 5h51
